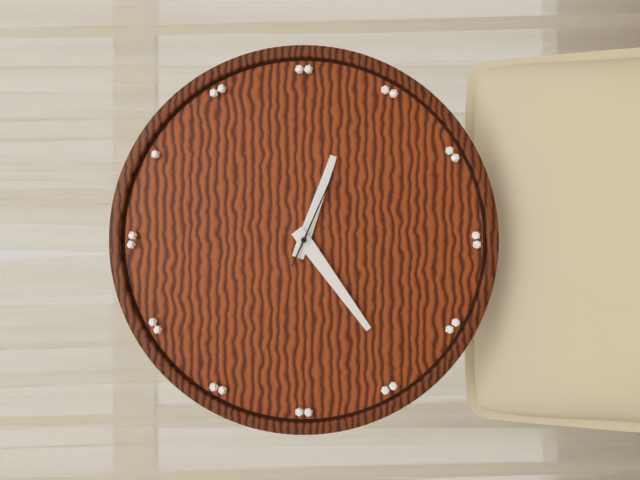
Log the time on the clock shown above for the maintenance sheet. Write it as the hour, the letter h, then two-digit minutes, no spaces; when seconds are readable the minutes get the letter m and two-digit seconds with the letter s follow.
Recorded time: 3h39m19s
